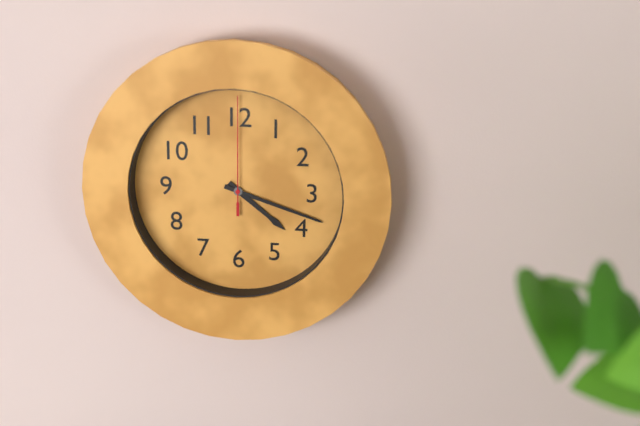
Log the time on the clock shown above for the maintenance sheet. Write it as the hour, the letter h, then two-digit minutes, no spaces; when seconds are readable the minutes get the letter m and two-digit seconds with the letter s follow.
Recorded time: 4h18m00s
